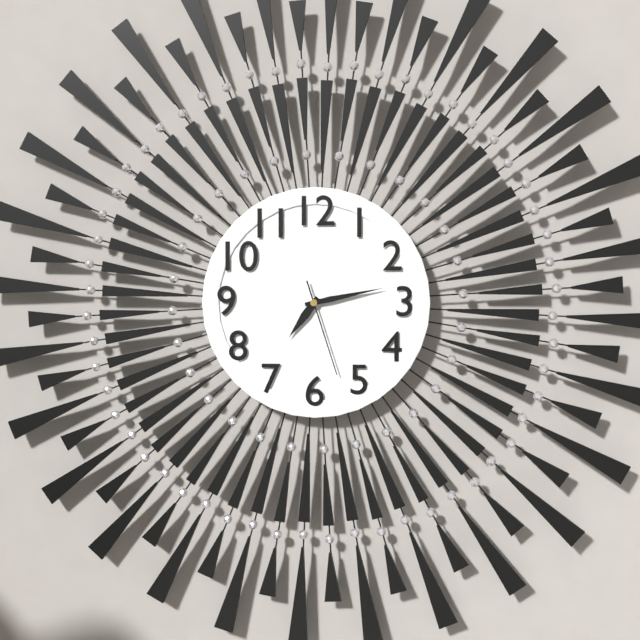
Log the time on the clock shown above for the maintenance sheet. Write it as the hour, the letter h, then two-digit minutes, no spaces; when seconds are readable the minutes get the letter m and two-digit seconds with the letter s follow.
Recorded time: 7h13m27s
